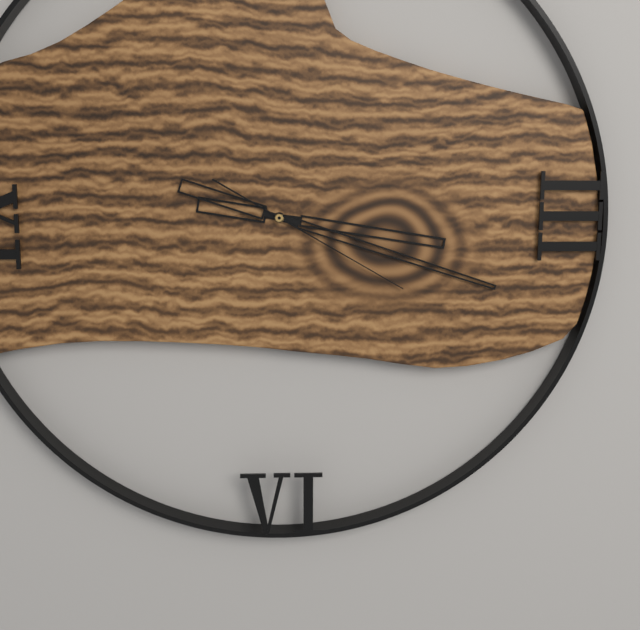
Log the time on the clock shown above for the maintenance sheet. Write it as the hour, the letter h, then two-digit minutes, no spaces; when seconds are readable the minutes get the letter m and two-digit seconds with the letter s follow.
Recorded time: 3h18m20s
